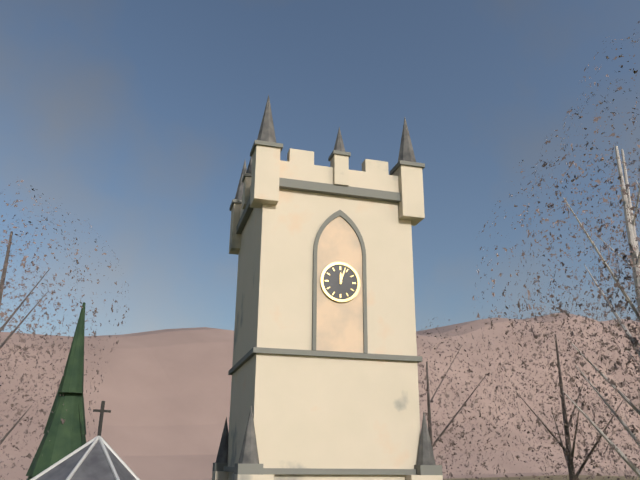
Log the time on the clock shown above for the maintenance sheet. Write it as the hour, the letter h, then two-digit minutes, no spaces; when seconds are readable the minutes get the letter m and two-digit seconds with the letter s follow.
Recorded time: 12h03
